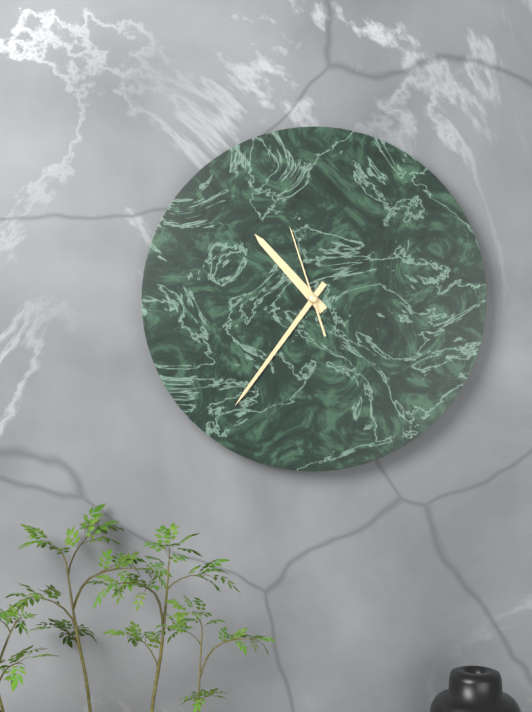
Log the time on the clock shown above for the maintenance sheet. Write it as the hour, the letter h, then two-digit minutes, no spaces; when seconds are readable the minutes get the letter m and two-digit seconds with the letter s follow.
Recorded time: 10h36m57s
